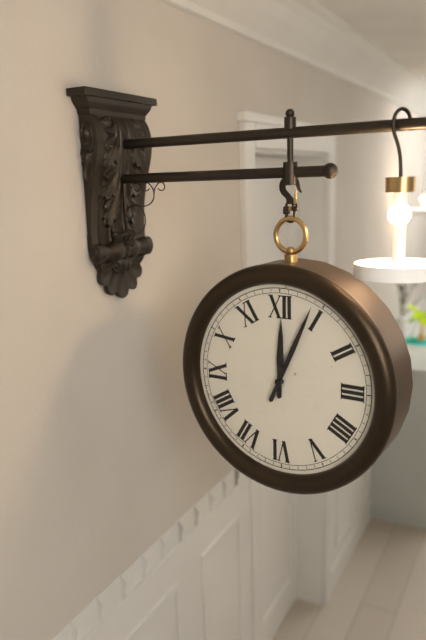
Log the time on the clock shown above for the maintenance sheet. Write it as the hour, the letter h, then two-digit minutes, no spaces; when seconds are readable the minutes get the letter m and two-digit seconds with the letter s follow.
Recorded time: 12h04
